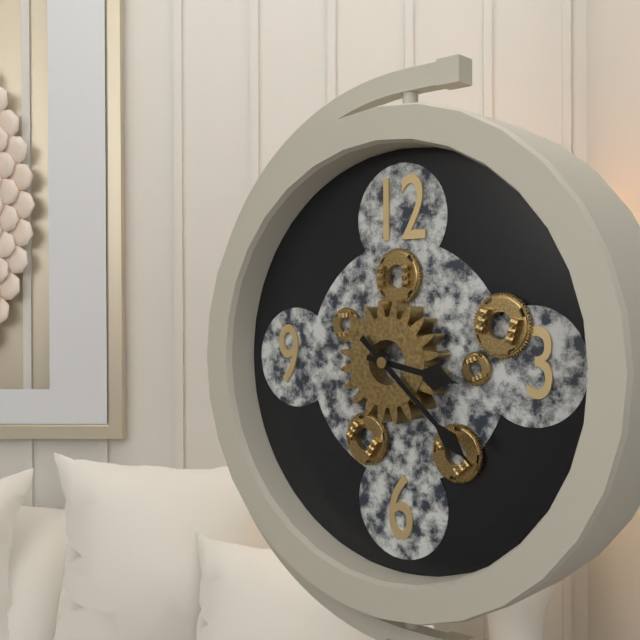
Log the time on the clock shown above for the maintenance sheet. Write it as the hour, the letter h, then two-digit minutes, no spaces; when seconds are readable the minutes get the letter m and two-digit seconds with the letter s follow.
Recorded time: 3h22
